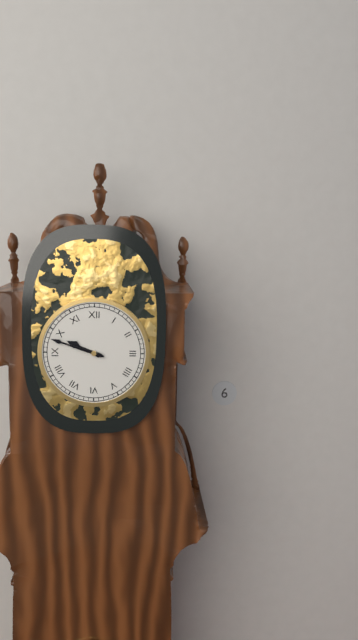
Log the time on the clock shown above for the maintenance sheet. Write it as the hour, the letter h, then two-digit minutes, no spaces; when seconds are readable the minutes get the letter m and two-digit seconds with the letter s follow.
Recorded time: 9h48
